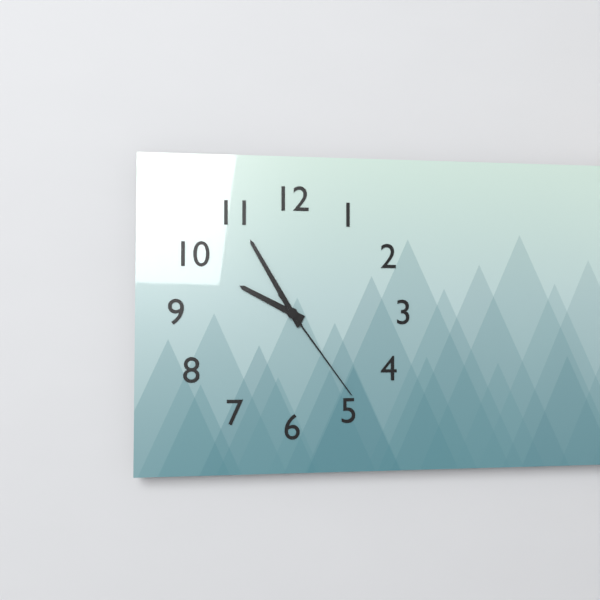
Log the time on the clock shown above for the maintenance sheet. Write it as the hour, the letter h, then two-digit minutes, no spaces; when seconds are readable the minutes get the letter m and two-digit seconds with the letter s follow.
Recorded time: 9h55m24s
